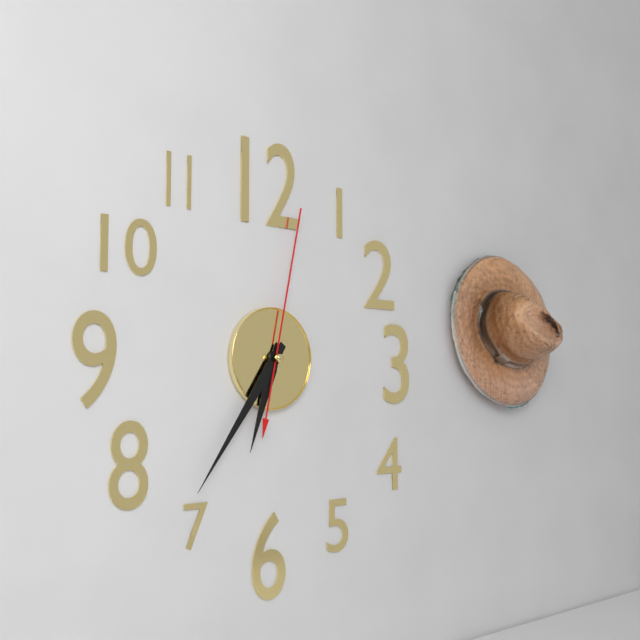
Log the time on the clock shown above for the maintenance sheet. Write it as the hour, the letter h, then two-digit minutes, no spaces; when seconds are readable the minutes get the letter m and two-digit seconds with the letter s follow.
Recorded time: 6h36m02s
